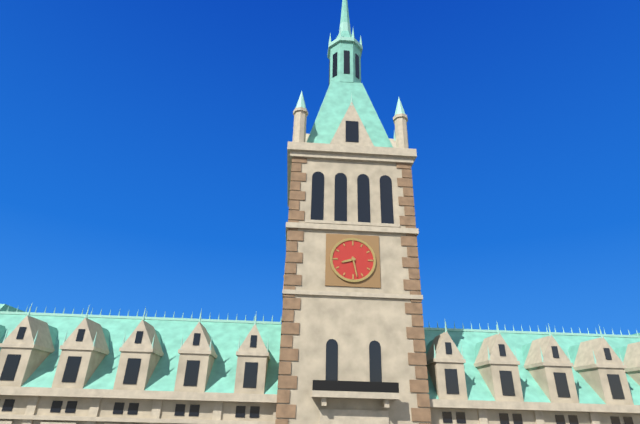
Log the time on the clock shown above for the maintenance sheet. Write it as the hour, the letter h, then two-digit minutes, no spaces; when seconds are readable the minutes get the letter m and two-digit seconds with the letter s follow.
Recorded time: 8h28
